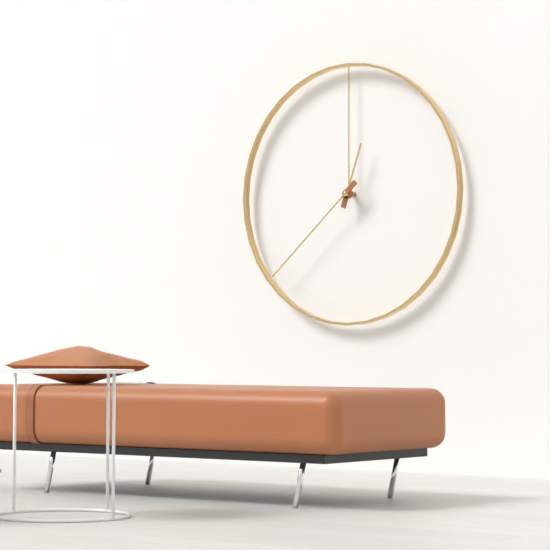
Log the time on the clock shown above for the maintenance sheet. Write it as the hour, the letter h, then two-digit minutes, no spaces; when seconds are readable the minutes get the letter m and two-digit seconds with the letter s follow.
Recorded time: 12h38
